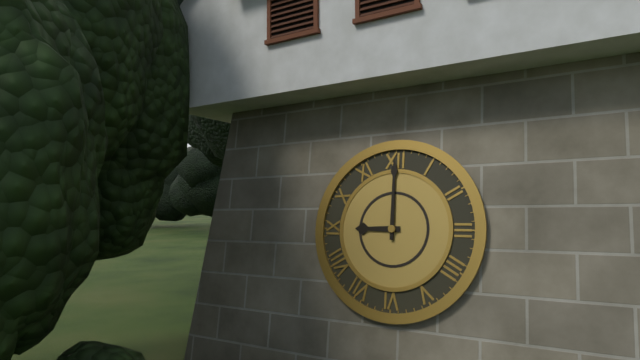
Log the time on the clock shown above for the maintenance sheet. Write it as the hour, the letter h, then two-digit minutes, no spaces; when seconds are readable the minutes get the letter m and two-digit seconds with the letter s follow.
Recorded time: 9h00
